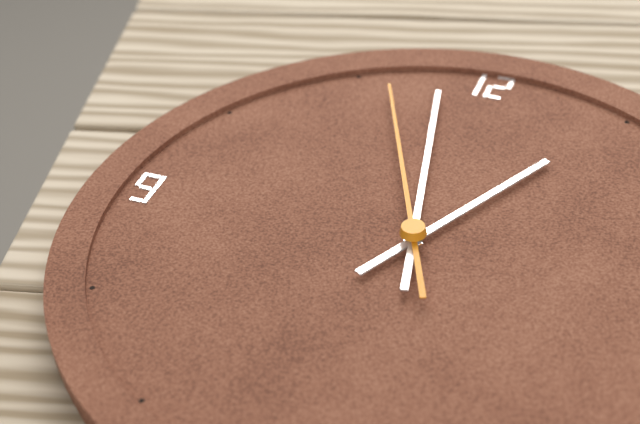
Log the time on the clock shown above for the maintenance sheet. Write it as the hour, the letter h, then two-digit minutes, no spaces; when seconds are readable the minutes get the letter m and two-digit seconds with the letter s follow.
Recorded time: 12h58m56s
